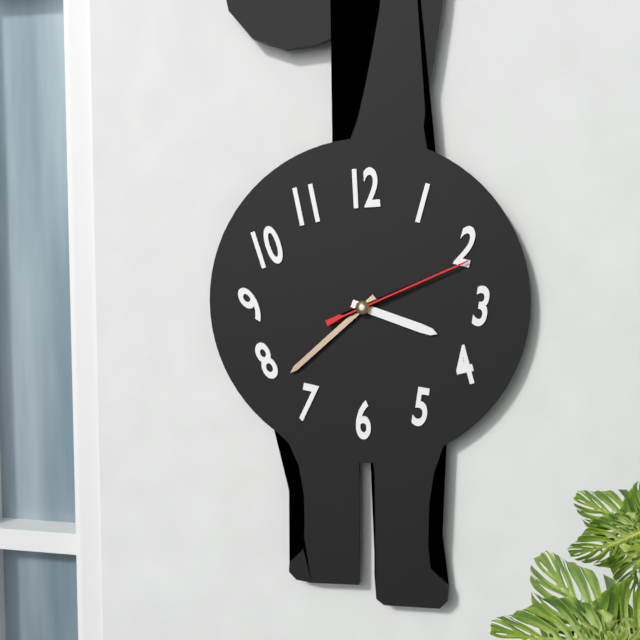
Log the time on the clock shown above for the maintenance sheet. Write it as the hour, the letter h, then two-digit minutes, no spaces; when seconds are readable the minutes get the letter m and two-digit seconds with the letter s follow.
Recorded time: 3h38m11s
